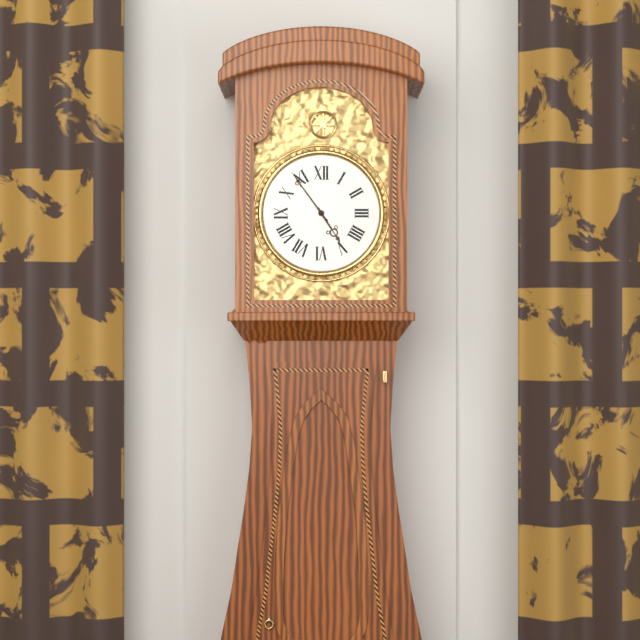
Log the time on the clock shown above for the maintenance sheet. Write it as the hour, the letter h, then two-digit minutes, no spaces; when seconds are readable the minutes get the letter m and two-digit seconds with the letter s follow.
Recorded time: 4h54
